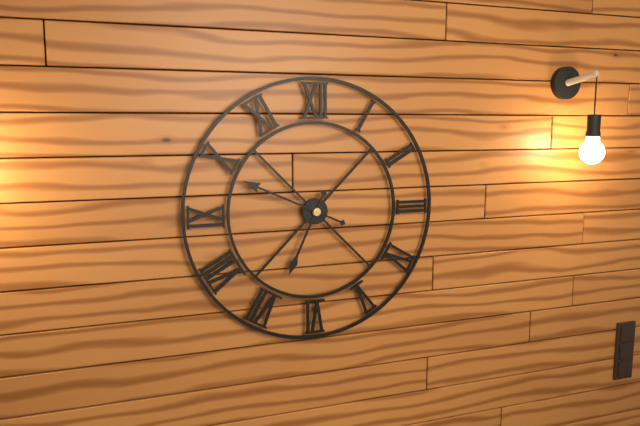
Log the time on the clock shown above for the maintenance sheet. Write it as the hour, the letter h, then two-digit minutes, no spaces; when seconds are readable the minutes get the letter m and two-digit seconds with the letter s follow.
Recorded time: 6h49
